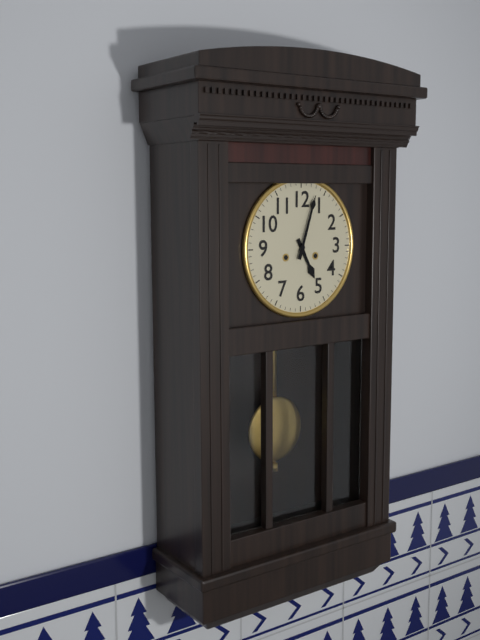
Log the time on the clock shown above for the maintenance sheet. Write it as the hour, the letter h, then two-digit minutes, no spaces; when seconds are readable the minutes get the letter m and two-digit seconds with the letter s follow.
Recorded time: 5h03
